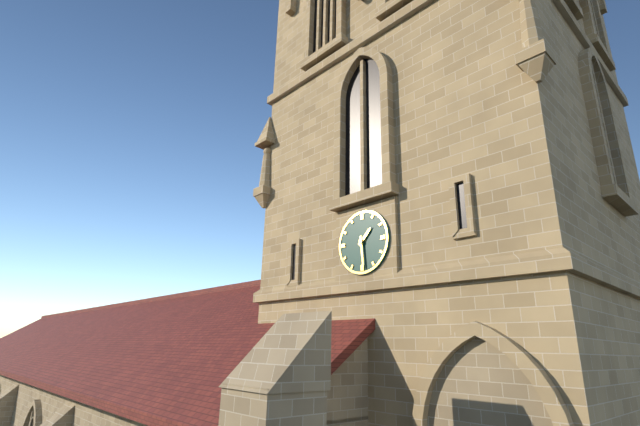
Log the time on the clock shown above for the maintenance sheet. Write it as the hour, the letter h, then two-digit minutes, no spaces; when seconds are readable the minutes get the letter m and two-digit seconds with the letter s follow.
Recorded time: 1h29
